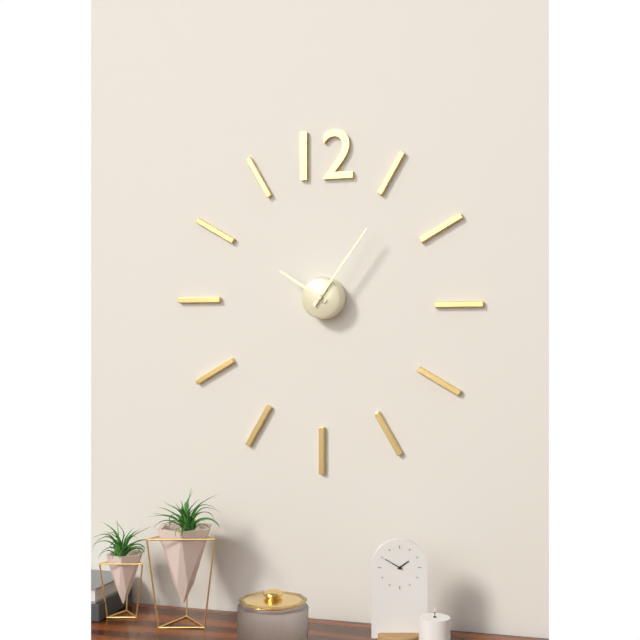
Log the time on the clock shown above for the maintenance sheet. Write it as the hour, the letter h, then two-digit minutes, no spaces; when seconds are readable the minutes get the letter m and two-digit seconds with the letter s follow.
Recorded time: 10h06
